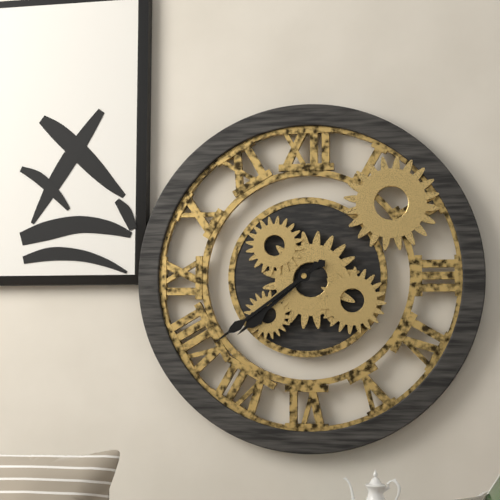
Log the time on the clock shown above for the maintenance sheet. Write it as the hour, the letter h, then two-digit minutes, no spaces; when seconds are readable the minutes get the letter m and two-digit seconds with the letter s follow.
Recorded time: 7h39
